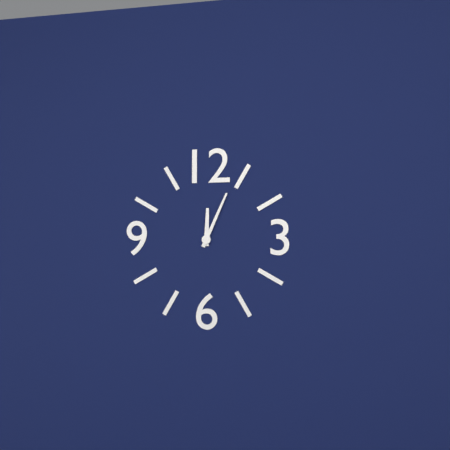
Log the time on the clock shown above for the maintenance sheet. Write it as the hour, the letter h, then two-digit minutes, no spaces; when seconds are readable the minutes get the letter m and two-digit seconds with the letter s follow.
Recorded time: 12h04
